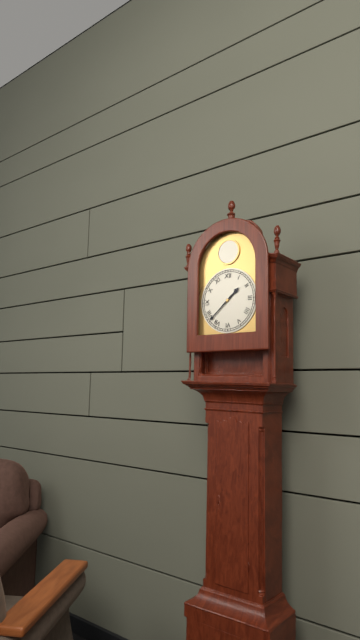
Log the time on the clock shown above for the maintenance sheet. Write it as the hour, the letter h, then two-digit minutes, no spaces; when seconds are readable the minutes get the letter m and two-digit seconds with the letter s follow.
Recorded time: 1h38
